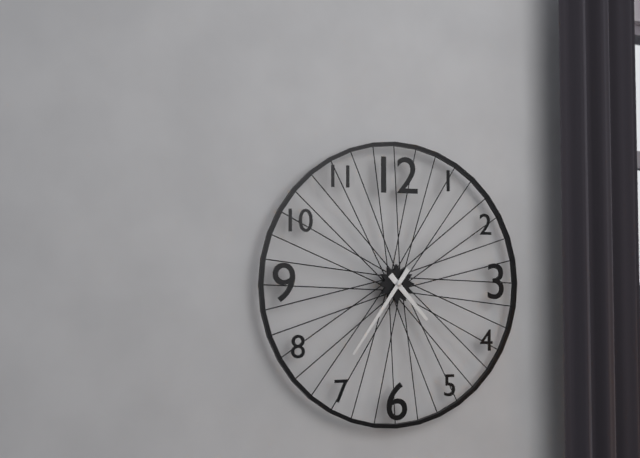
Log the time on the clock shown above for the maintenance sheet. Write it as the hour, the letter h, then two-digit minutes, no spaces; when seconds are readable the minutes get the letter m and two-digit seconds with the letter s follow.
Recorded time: 4h36
